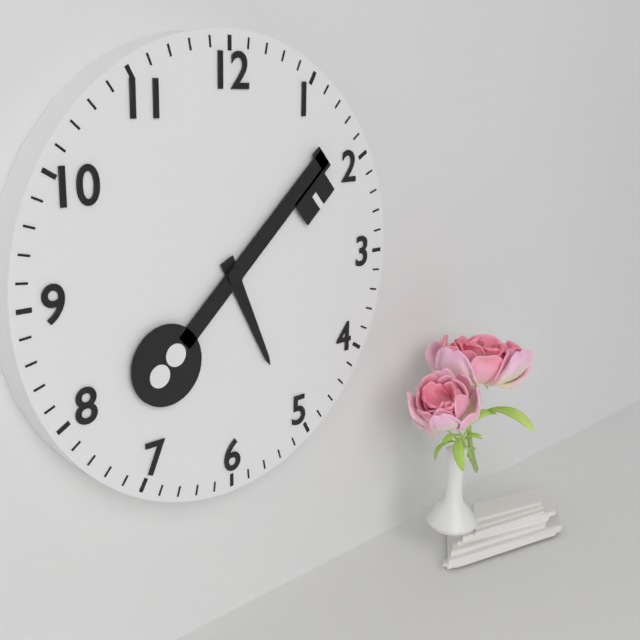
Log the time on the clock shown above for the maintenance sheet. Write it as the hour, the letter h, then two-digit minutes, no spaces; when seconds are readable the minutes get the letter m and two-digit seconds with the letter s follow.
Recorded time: 5h08
